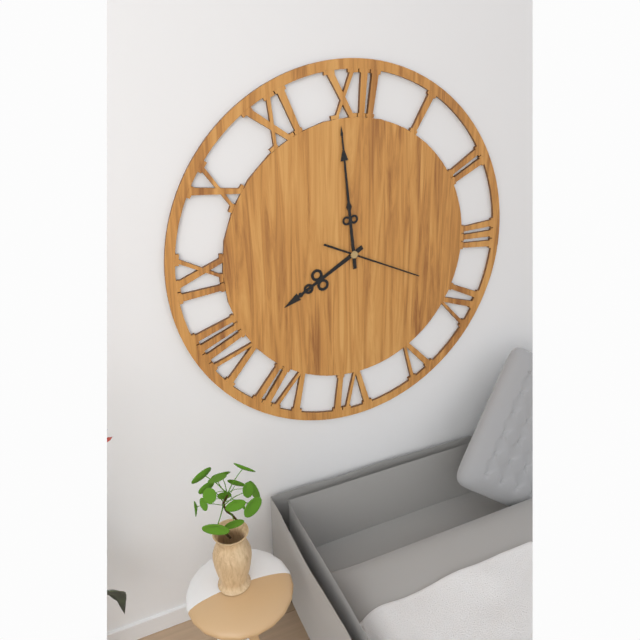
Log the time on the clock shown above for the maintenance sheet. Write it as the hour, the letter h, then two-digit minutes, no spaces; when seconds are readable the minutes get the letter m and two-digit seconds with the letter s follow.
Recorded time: 7h59m19s
